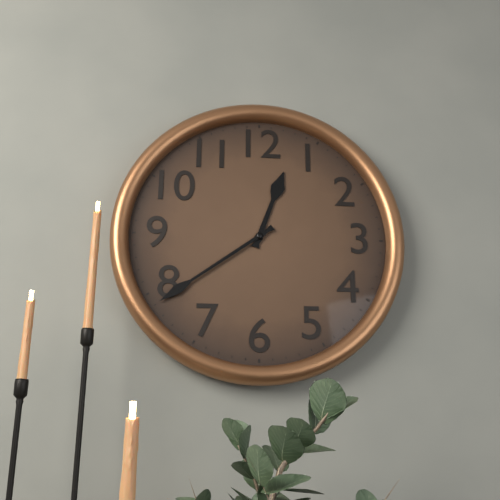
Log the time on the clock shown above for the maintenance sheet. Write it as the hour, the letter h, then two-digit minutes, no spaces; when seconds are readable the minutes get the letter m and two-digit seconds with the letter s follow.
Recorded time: 12h39
